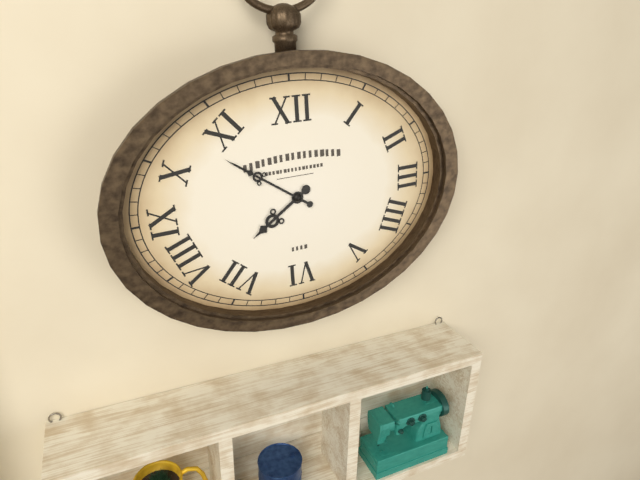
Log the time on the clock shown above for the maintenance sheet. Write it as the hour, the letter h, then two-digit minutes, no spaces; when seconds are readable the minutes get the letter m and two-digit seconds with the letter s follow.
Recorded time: 7h51
